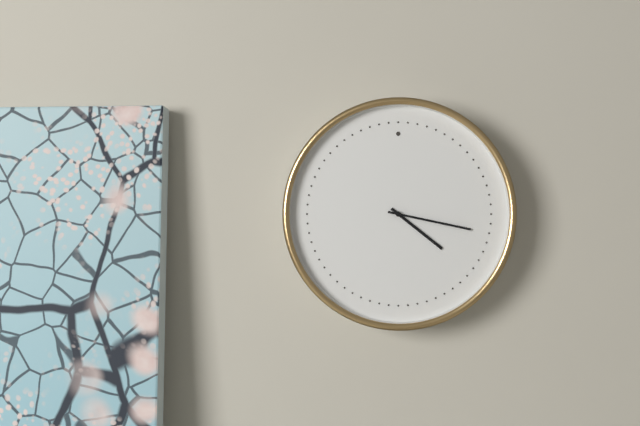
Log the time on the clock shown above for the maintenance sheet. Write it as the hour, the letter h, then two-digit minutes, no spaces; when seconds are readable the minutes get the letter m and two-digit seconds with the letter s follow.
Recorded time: 4h17
